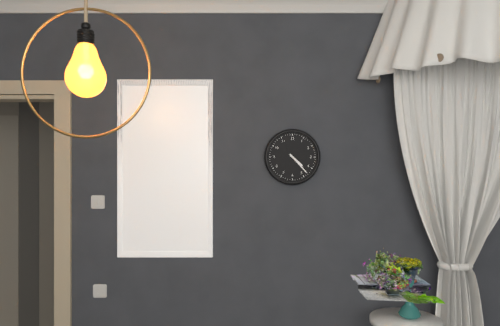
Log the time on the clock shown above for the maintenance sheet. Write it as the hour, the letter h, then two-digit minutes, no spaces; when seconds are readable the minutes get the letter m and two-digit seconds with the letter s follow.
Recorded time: 4h23
